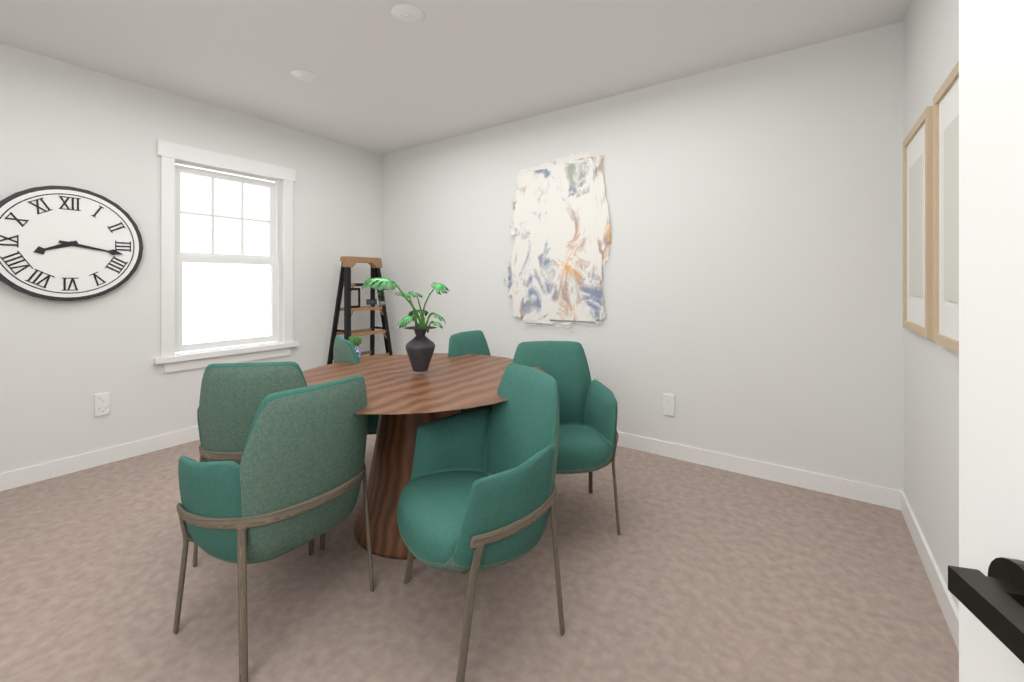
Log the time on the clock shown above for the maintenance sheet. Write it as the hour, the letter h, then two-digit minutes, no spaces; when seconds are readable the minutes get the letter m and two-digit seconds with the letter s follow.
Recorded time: 8h17
